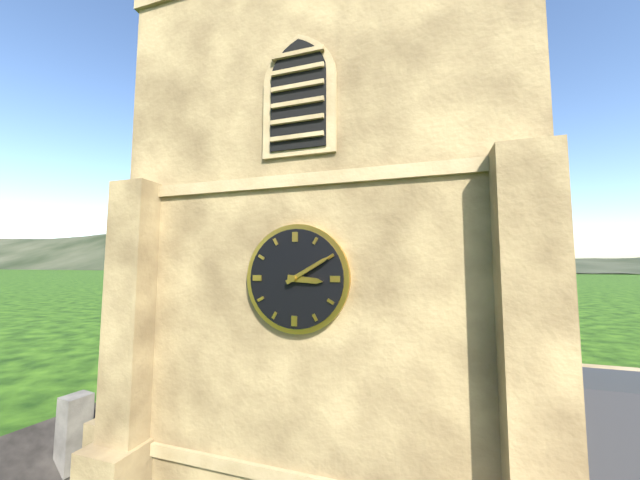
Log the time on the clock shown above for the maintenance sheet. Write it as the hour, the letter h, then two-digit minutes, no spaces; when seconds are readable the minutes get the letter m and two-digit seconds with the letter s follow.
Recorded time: 3h10
